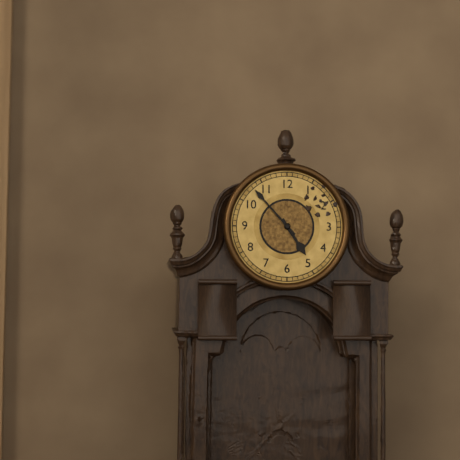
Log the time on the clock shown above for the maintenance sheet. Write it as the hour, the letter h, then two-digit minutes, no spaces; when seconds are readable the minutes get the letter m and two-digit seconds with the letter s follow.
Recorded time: 4h53
